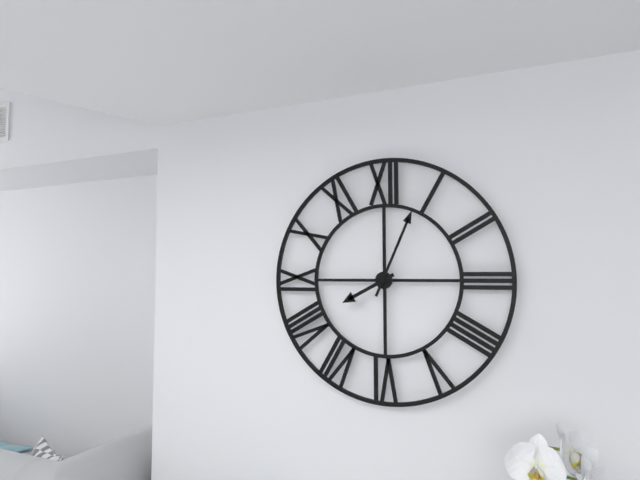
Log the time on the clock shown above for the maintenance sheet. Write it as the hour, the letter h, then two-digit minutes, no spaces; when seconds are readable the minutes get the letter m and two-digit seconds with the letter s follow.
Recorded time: 8h04
